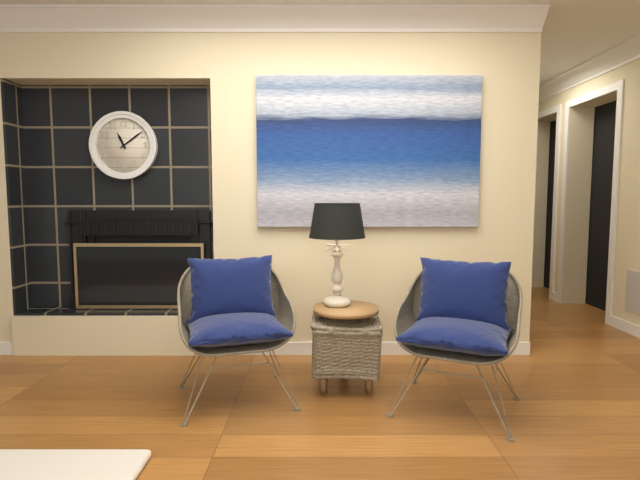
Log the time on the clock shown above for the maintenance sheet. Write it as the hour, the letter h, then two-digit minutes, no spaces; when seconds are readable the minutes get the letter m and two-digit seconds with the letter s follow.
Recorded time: 11h09
